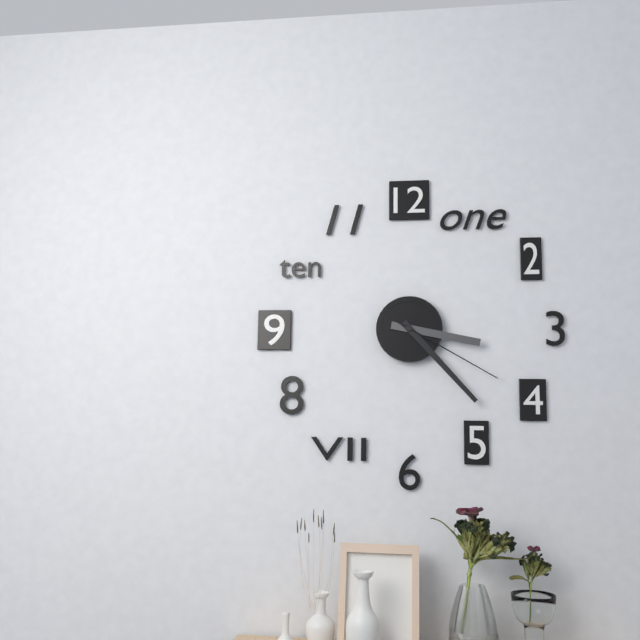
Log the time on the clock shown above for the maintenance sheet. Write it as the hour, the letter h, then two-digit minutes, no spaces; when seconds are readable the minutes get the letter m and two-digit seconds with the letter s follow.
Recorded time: 3h23m20s
